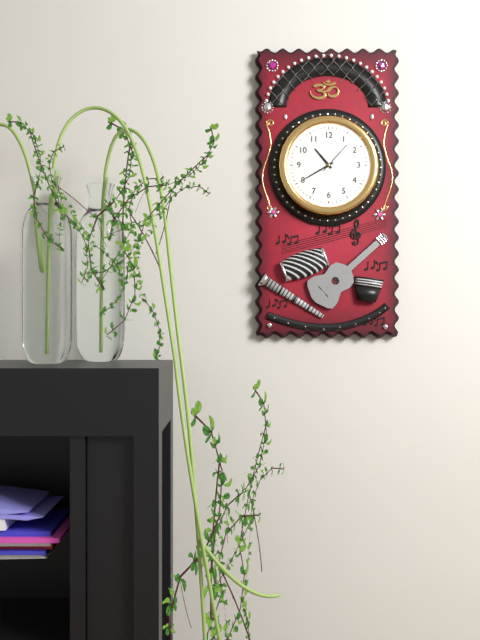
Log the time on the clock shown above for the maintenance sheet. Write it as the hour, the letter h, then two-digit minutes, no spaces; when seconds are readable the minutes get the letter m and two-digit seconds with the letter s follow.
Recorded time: 10h40
